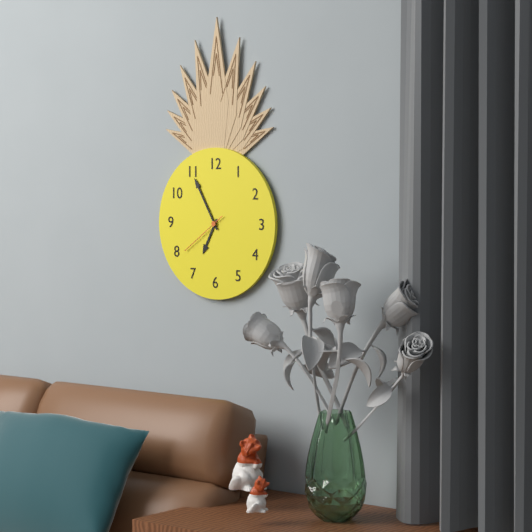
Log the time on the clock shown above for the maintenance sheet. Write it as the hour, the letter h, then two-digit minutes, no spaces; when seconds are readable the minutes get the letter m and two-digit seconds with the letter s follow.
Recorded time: 6h55m39s
